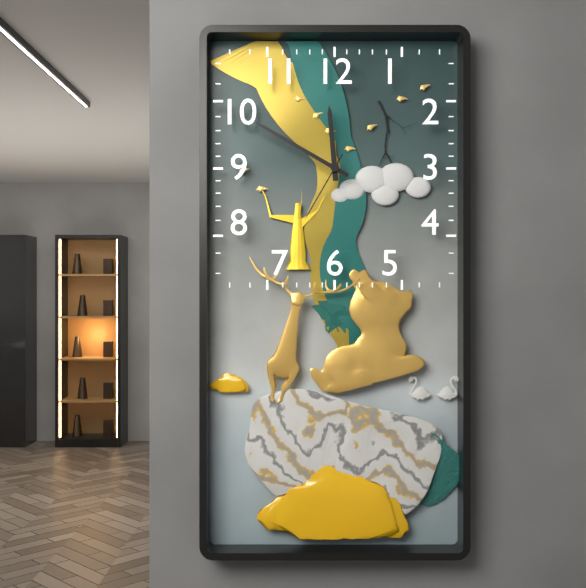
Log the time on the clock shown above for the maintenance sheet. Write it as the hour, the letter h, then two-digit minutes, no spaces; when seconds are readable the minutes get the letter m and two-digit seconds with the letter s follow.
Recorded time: 11h50m35s
